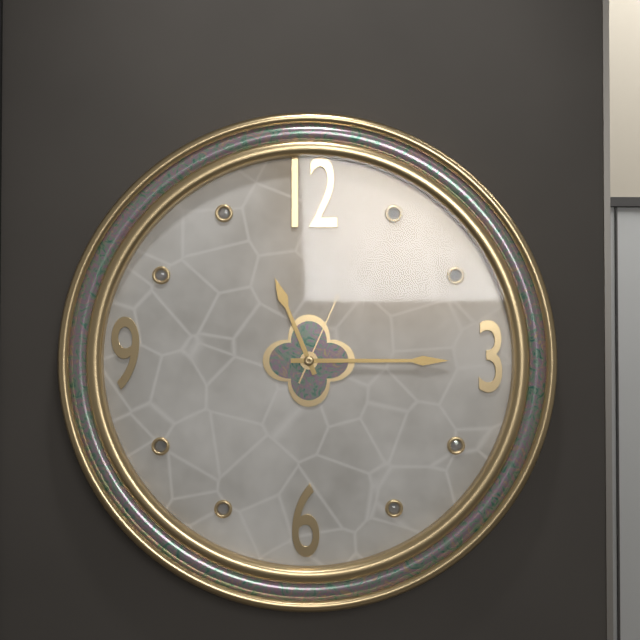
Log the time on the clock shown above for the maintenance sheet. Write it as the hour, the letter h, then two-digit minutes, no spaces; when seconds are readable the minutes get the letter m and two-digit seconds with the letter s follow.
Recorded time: 11h15m04s
